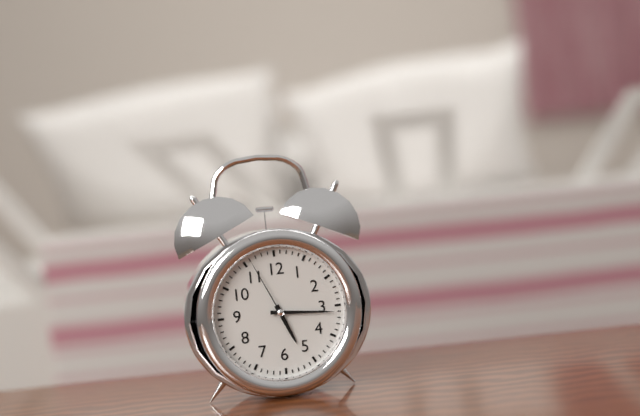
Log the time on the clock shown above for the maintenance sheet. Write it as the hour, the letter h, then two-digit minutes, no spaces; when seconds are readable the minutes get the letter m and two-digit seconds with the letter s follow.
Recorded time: 5h16m56s
